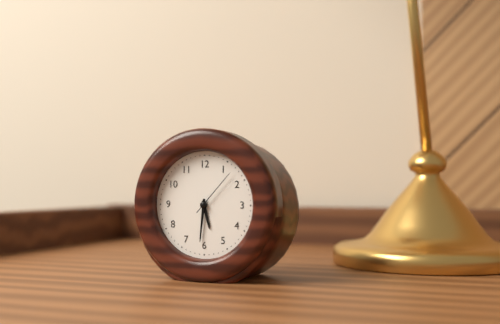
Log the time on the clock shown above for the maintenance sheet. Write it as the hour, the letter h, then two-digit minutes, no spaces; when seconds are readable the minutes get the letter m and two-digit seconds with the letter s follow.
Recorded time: 5h31m07s
